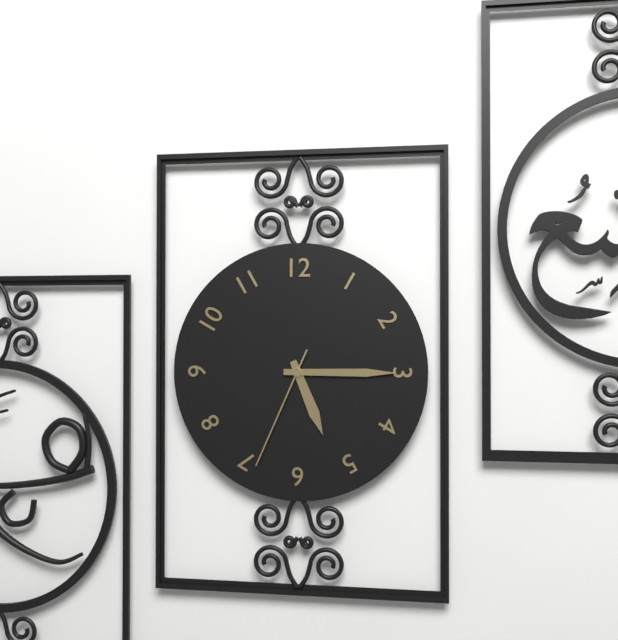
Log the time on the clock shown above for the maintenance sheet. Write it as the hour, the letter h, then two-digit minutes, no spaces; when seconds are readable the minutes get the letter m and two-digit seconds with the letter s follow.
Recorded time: 5h15m34s
